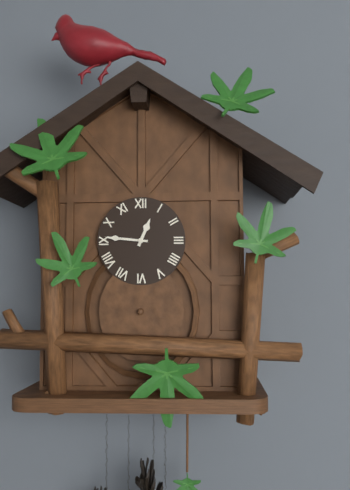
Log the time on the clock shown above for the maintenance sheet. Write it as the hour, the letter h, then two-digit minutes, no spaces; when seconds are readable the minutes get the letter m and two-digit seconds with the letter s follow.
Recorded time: 12h46
